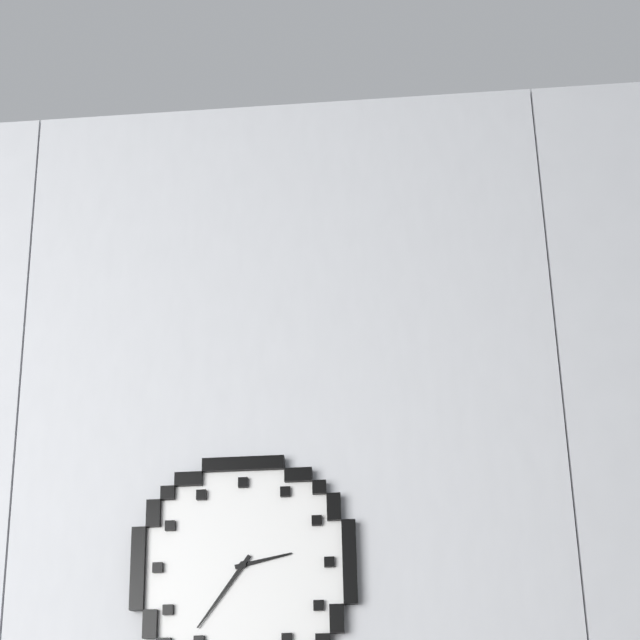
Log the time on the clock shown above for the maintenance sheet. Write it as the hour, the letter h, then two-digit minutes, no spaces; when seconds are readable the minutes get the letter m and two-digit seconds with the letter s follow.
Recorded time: 2h36
